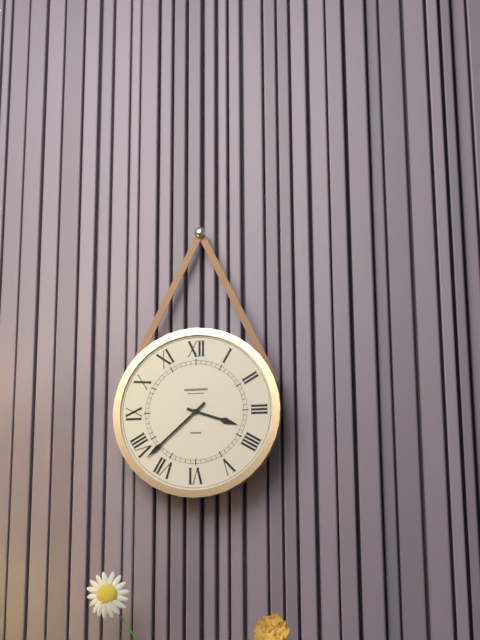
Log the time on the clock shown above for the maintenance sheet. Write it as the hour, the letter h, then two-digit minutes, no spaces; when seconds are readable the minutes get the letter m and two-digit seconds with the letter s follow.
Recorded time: 3h38
